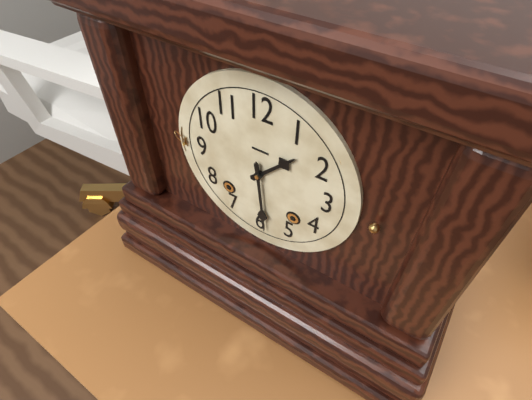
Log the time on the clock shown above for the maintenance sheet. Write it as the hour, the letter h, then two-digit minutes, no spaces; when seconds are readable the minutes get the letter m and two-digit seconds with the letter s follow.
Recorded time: 1h29
